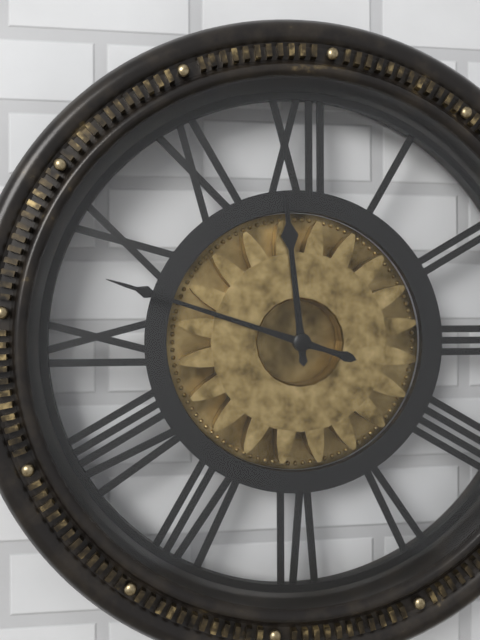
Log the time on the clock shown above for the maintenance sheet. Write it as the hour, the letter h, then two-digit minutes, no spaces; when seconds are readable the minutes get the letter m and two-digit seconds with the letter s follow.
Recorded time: 11h48
